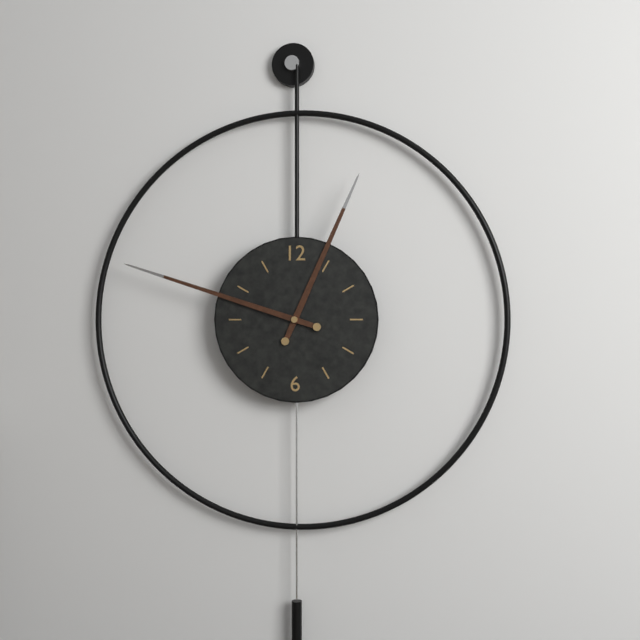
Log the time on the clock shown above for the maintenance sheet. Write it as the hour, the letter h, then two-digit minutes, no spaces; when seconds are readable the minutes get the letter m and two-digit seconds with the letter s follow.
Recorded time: 12h48
